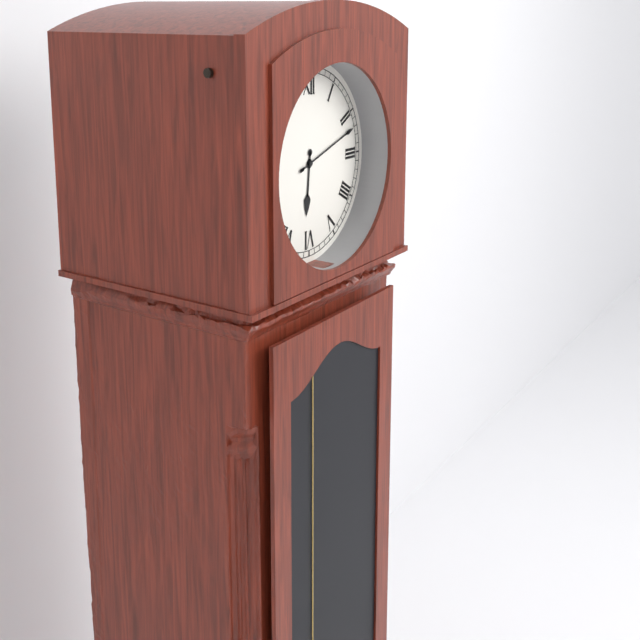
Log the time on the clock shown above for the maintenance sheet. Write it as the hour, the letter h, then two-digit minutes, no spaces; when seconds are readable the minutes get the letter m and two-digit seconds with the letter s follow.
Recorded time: 6h12
